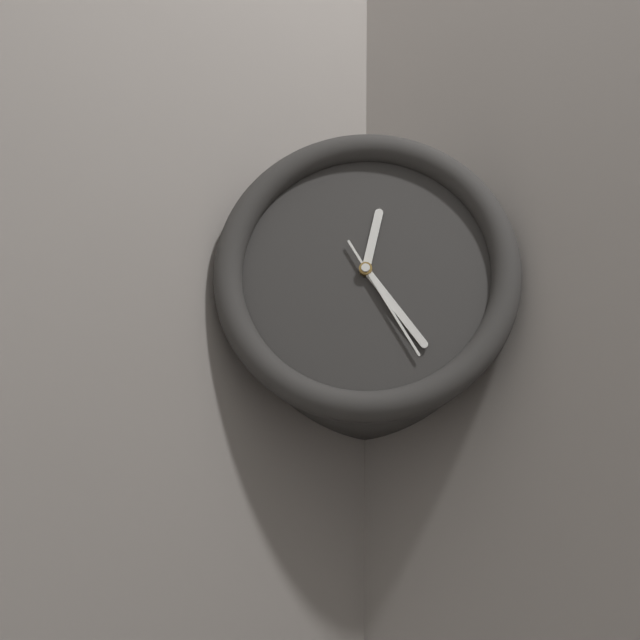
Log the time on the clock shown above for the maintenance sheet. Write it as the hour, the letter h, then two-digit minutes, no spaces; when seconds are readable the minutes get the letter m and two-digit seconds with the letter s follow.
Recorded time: 12h24m25s
